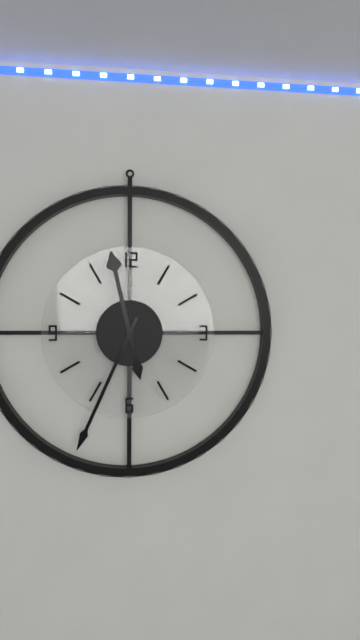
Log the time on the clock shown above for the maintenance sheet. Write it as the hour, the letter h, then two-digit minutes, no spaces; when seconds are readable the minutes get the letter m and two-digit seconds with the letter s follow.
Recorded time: 11h34
